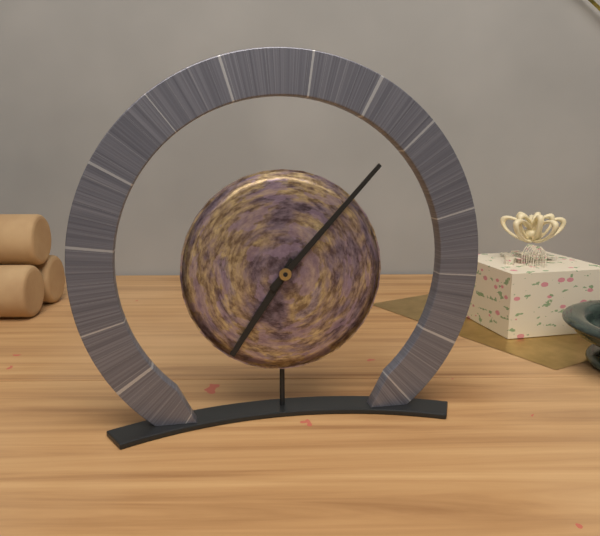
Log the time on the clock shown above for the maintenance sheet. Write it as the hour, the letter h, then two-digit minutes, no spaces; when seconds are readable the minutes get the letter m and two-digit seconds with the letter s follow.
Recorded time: 7h07
